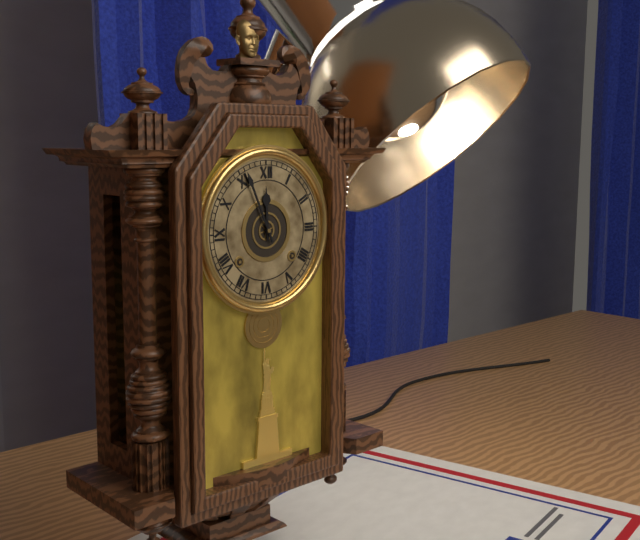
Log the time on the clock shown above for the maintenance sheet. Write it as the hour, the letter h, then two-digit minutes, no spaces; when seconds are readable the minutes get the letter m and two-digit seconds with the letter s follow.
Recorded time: 11h56
